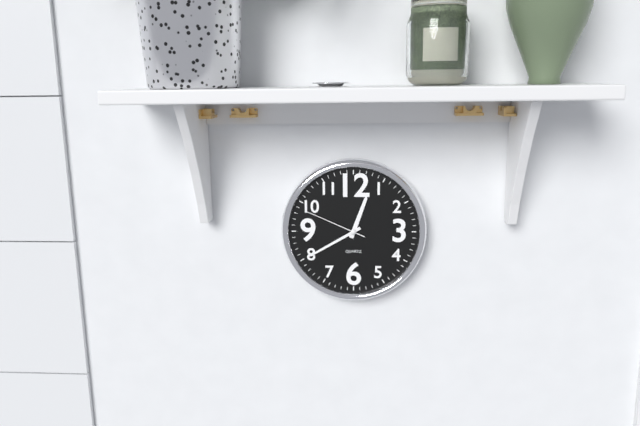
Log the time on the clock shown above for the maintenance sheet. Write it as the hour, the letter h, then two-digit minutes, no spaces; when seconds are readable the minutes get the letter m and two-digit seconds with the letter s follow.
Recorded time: 12h40m49s
